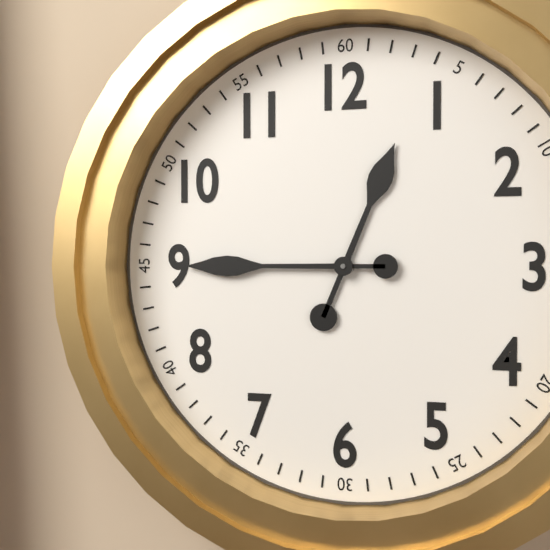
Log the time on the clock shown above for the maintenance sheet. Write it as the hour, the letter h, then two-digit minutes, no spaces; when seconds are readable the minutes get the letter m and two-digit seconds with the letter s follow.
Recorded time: 12h45
